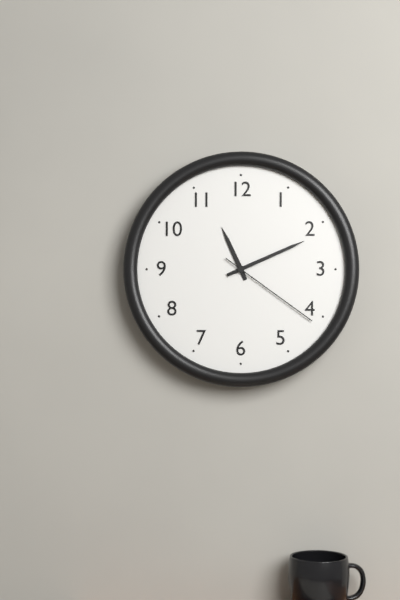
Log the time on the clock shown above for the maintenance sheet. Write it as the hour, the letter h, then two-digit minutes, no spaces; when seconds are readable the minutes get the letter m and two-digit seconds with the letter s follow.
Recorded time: 11h11m21s
